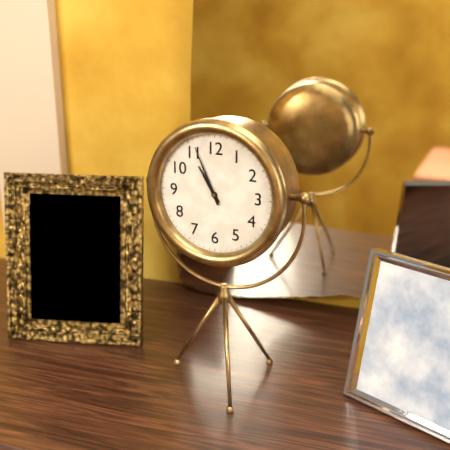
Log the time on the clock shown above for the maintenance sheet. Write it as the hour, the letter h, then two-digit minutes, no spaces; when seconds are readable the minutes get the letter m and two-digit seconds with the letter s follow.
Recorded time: 10h56
